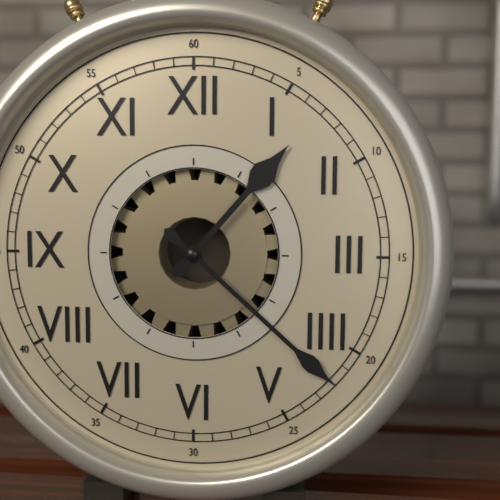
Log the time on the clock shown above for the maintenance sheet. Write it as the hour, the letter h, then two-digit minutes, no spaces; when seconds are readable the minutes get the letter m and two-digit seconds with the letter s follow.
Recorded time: 1h22
